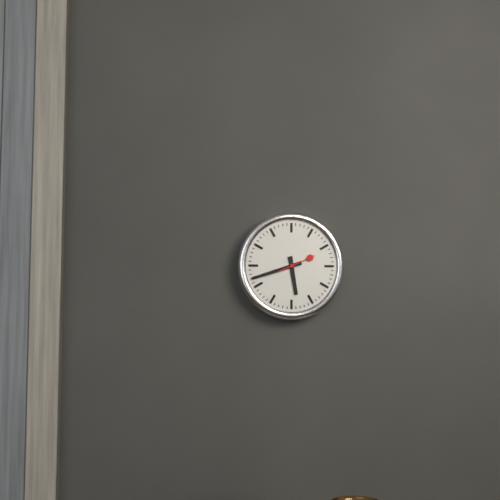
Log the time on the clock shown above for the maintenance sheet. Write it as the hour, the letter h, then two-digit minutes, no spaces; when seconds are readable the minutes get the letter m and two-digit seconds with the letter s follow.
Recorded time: 5h42
